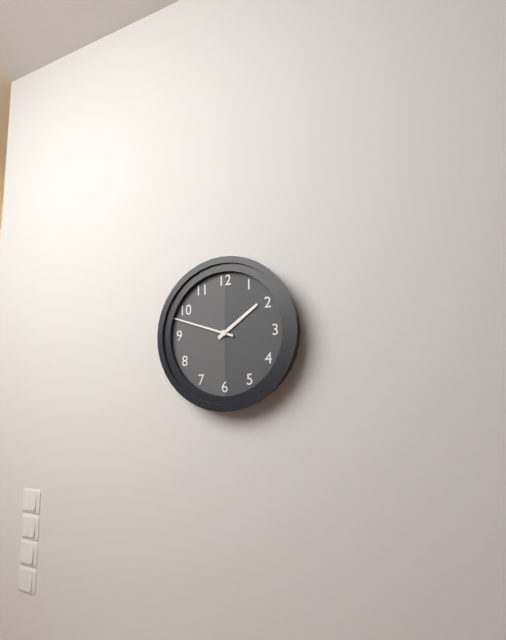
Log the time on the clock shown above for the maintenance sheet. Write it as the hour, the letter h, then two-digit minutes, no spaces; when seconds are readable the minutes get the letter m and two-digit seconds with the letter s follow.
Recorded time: 1h48
